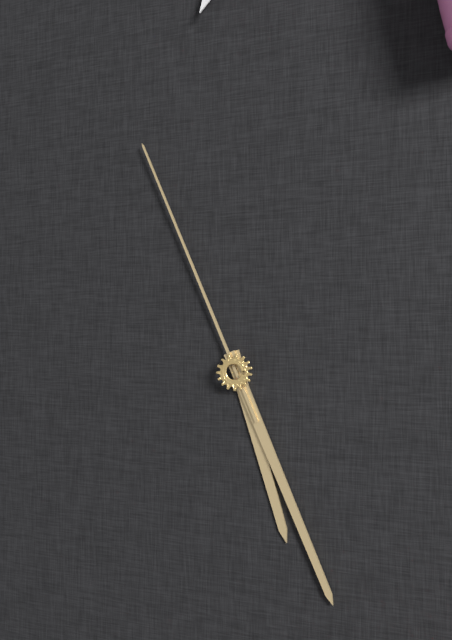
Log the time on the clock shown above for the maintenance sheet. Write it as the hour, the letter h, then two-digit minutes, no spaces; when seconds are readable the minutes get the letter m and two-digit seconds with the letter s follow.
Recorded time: 5h26m56s
